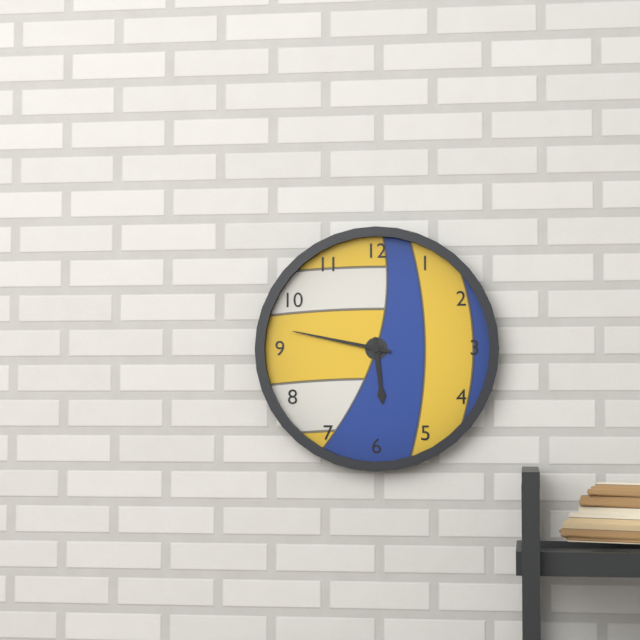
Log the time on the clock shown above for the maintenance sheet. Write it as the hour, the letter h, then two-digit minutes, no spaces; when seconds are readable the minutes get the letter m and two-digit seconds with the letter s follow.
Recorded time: 5h47
